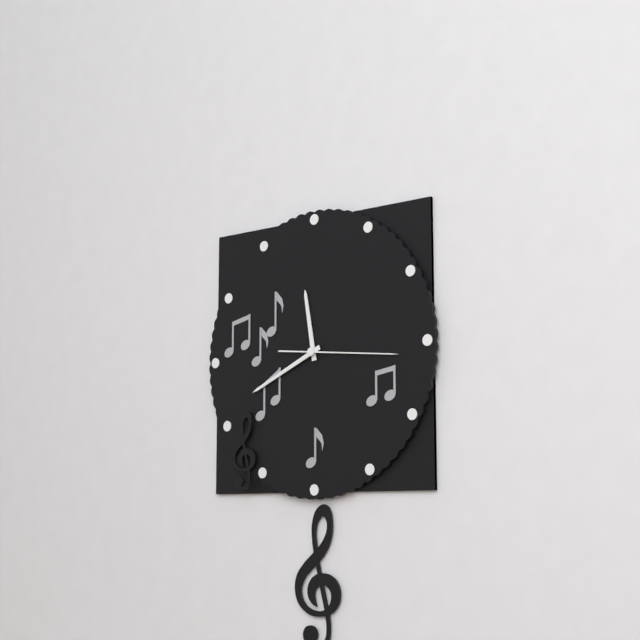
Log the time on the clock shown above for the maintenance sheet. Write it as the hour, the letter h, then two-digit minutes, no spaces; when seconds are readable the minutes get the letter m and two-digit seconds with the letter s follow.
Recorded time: 11h41m16s
